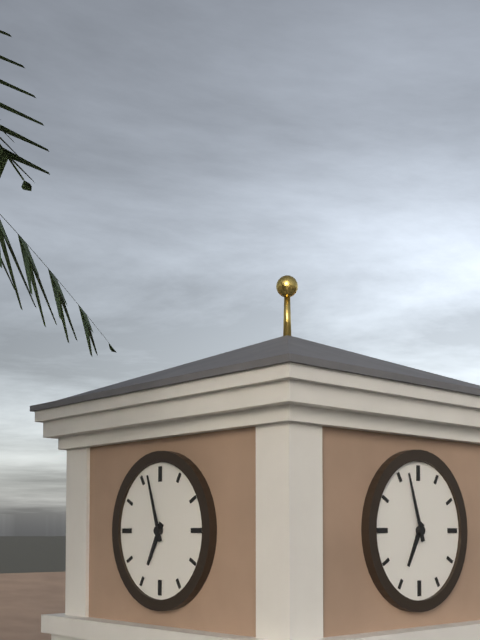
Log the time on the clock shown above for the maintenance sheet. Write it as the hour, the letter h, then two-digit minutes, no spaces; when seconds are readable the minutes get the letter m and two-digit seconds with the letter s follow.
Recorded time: 6h57
